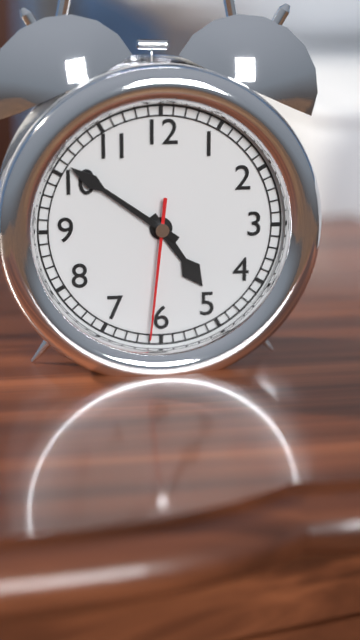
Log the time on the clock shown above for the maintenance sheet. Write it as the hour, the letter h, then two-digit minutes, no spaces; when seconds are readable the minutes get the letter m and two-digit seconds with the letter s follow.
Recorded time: 4h51m31s
